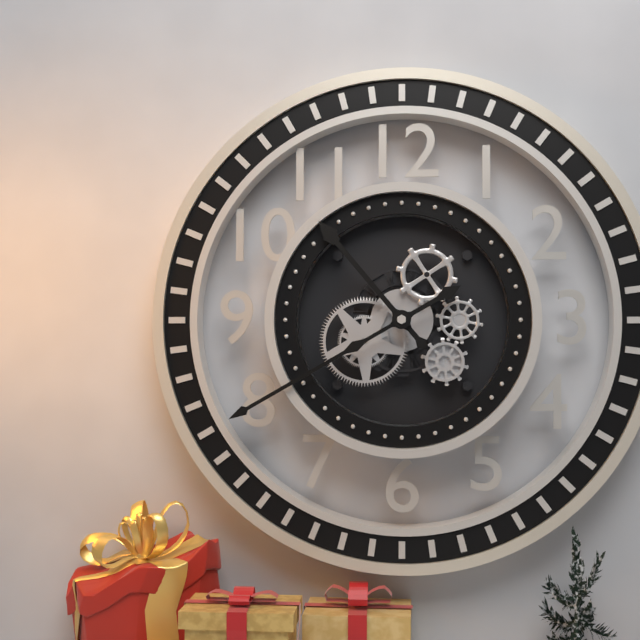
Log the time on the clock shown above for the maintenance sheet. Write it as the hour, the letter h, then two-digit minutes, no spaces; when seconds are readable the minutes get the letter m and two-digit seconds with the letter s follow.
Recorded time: 10h40
